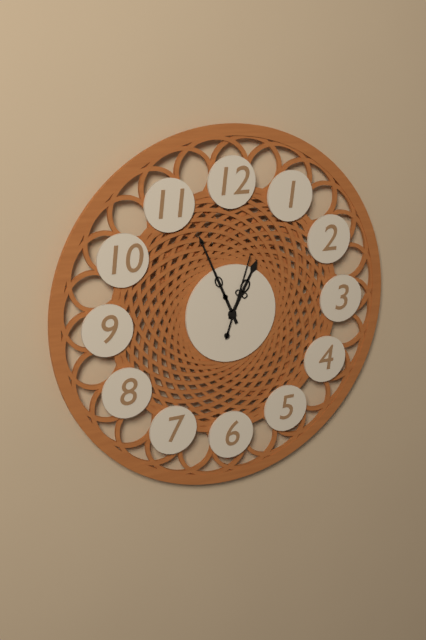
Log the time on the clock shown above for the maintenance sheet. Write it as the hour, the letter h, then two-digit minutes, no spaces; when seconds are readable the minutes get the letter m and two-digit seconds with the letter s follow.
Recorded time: 12h56m03s
